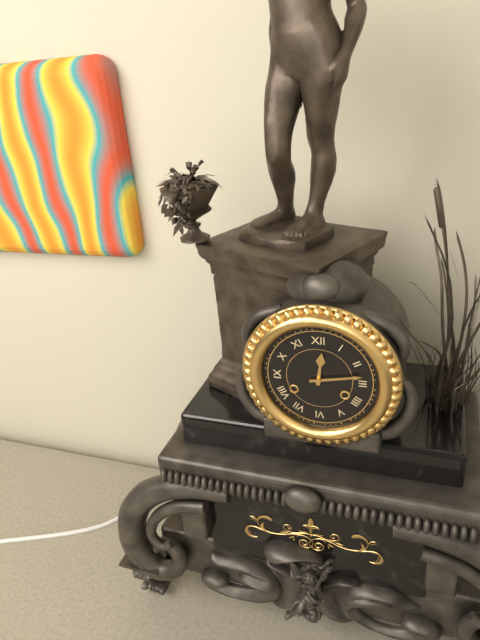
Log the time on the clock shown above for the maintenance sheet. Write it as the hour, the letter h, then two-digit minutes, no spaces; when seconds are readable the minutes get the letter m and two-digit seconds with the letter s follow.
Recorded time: 12h13
